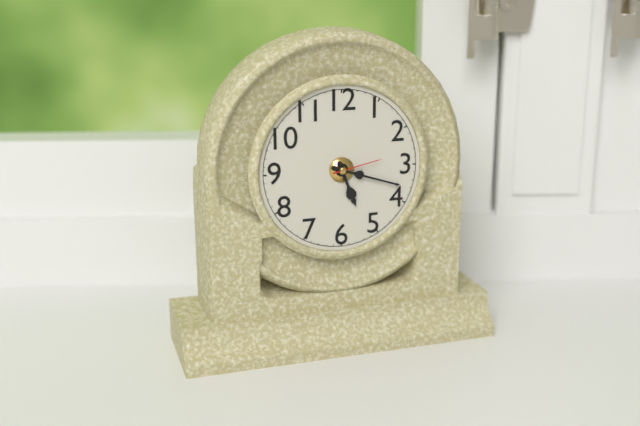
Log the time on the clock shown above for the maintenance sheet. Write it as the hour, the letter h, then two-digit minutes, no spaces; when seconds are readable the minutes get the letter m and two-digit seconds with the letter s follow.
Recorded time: 5h18m13s
